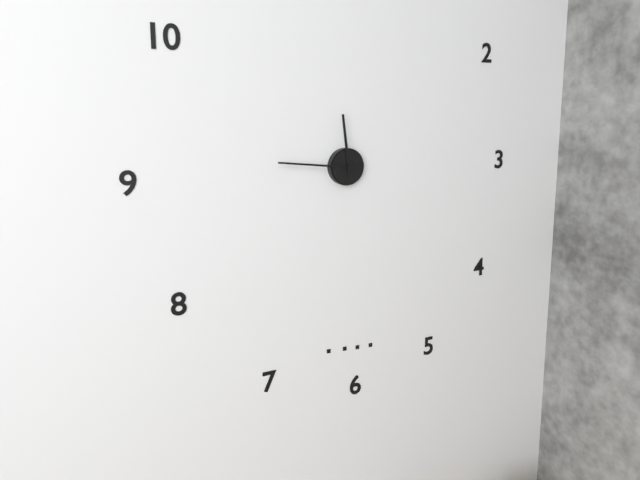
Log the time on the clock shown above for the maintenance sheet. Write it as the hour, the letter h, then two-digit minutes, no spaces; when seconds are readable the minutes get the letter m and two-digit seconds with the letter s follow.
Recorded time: 11h46
